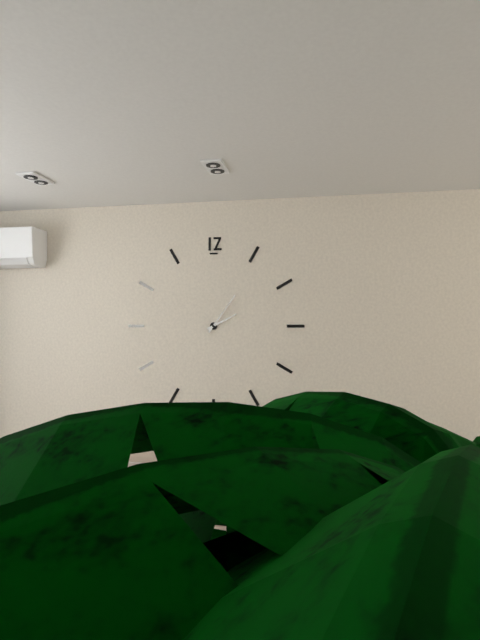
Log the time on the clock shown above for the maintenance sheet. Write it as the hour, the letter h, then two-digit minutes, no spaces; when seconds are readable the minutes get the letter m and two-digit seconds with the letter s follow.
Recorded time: 2h06
